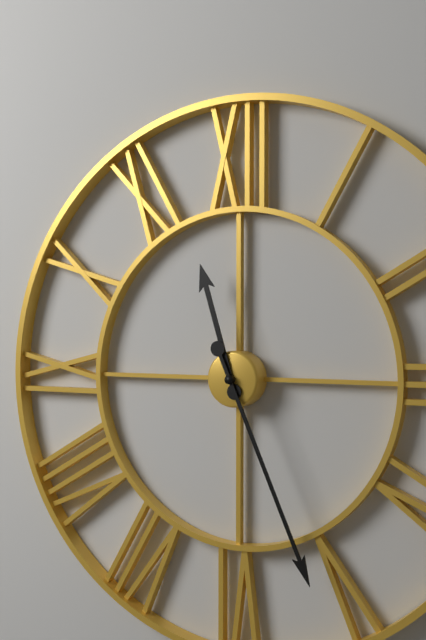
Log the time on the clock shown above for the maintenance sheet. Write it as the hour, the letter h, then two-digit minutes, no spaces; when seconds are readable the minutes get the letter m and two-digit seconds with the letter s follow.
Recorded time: 11h26
